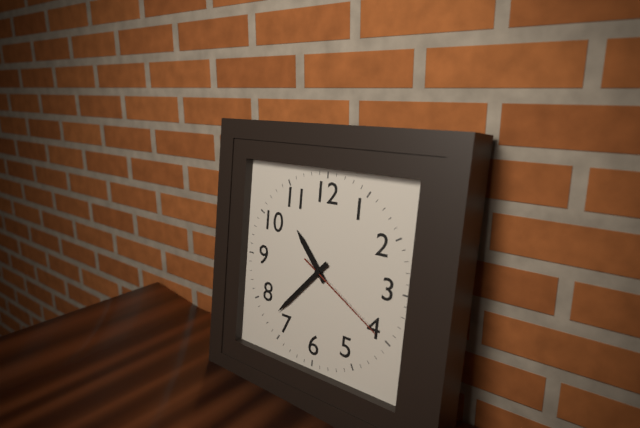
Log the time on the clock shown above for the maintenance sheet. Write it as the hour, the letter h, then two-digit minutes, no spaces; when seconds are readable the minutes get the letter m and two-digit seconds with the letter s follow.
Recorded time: 10h37m20s
